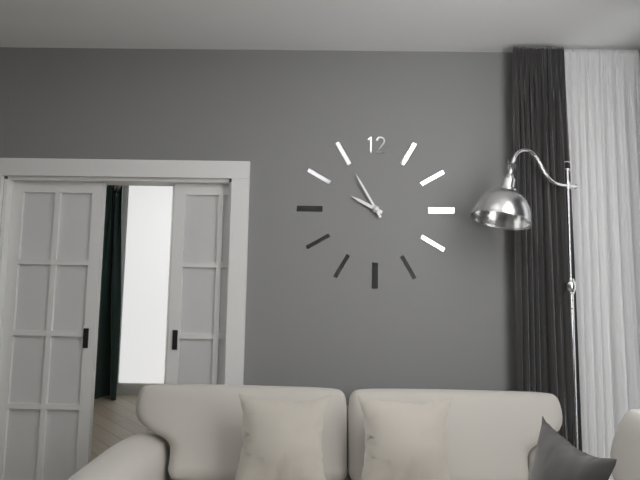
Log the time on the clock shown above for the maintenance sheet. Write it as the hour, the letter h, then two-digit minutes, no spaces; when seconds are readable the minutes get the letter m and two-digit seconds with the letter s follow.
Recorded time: 9h55
